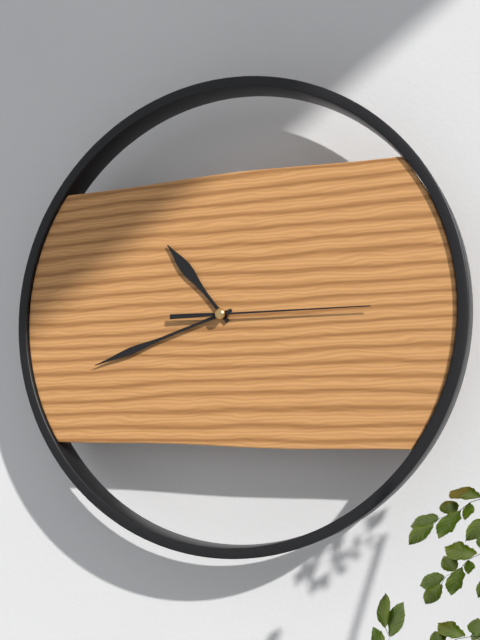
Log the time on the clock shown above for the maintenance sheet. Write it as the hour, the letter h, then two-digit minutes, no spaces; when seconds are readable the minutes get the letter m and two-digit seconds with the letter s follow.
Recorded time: 10h42m15s
